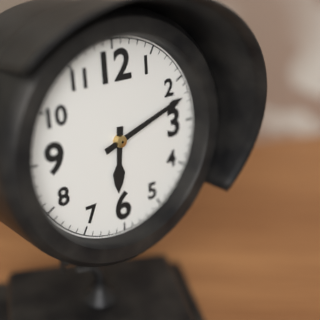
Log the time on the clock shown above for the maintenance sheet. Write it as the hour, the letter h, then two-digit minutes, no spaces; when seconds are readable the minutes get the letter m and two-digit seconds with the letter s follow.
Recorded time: 6h12
